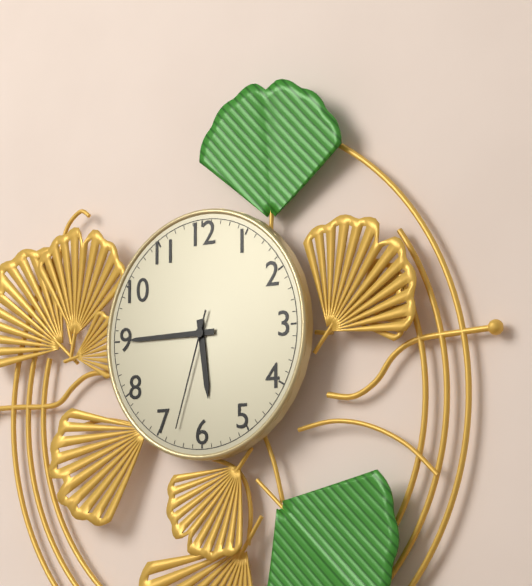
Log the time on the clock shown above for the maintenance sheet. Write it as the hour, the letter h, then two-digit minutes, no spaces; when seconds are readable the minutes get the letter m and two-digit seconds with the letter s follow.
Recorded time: 5h45m33s
